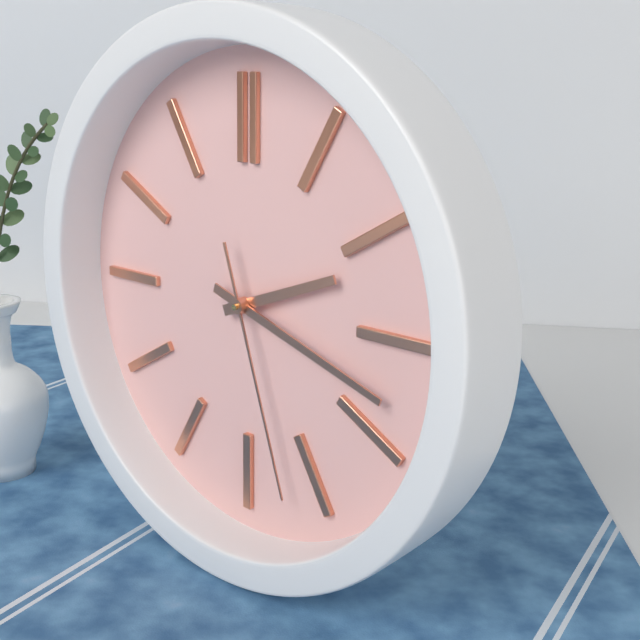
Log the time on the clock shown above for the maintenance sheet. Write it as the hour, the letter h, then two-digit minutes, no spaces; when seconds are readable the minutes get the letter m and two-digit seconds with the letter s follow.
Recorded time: 2h18m27s
